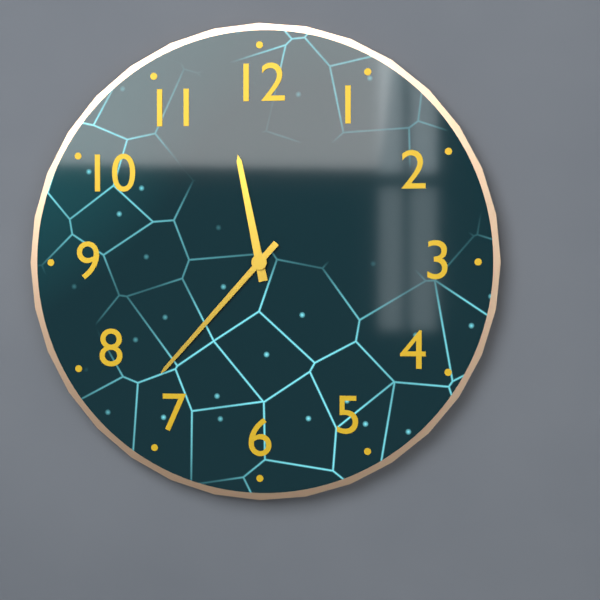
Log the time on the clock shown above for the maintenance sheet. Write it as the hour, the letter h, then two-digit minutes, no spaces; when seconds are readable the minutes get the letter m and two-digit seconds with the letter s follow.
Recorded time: 11h37
